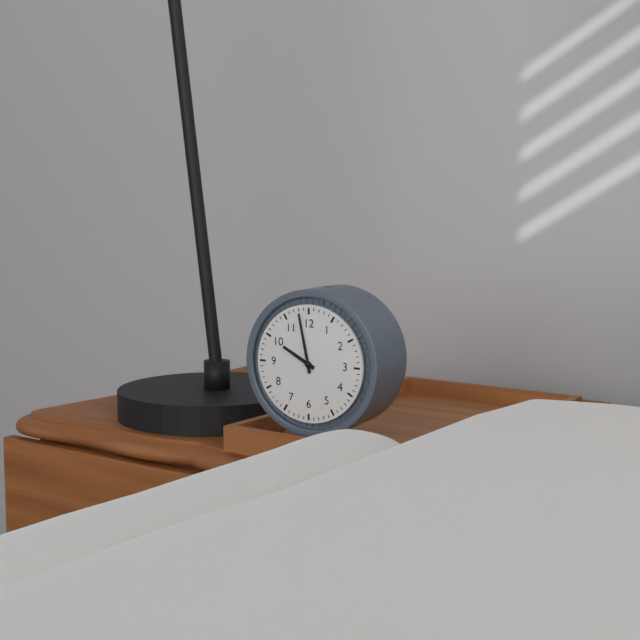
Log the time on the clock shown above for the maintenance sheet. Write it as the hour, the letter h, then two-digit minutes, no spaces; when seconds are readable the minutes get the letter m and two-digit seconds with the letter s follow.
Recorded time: 9h58
